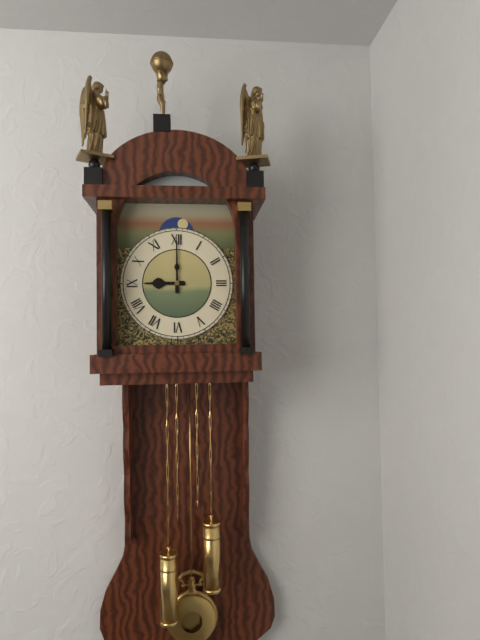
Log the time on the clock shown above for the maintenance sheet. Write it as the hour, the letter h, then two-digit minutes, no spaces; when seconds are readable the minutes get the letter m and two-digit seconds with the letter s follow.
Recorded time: 9h00
